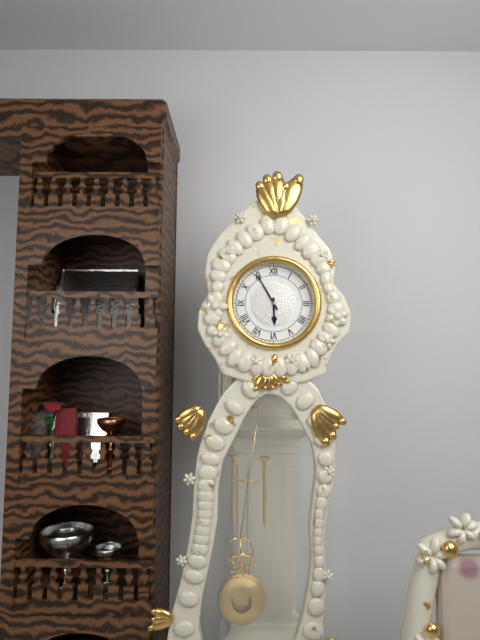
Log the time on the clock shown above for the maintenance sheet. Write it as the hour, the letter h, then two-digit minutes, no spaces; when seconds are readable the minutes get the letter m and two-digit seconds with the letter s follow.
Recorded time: 5h55
